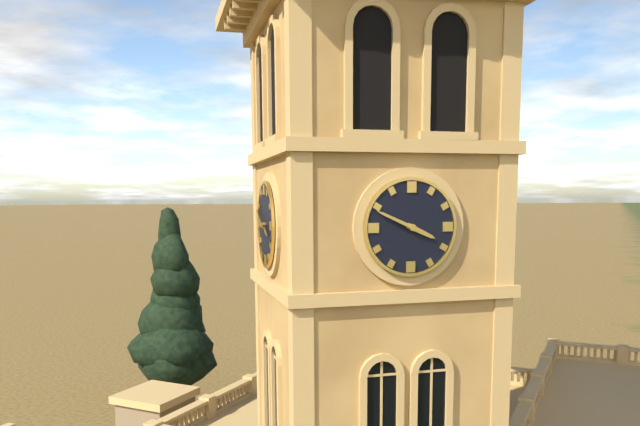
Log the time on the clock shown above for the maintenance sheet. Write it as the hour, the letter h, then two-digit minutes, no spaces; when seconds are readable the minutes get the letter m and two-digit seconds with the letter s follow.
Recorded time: 3h49
